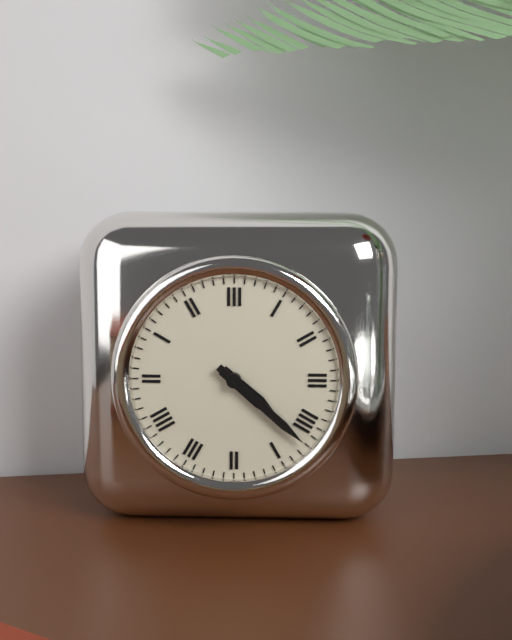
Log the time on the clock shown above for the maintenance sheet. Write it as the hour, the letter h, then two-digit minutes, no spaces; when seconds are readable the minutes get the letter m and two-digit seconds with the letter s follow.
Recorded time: 4h22
